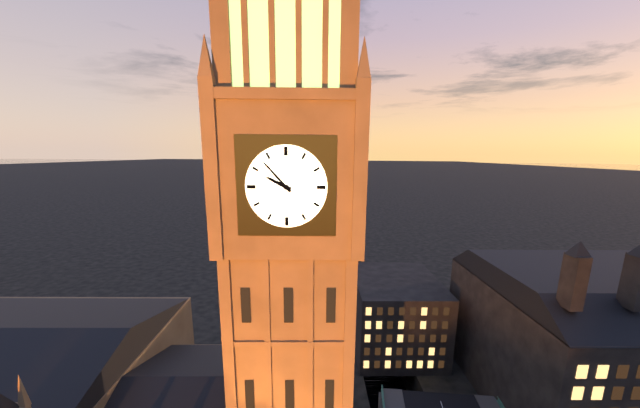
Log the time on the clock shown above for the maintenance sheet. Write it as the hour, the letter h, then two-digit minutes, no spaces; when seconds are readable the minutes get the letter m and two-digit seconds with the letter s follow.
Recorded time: 9h53
